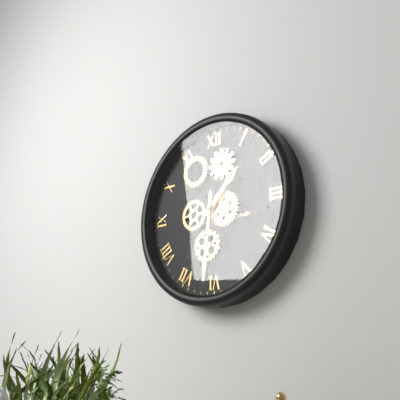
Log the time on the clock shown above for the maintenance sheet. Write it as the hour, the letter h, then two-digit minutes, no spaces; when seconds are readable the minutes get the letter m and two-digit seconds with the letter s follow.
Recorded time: 1h31
